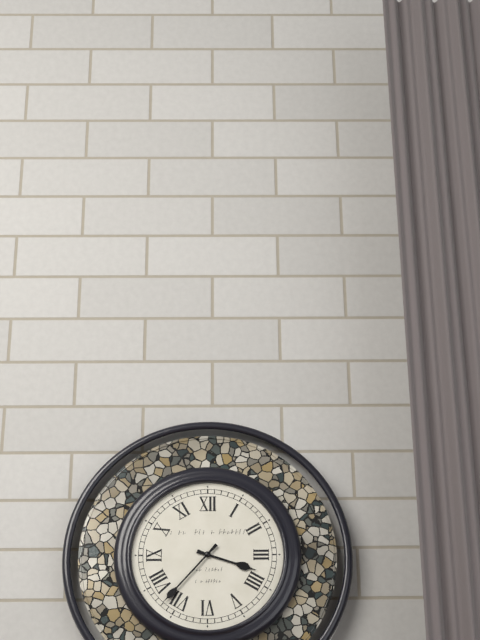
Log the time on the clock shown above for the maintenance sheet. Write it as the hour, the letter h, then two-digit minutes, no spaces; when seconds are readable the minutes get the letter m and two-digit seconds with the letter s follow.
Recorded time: 3h37
